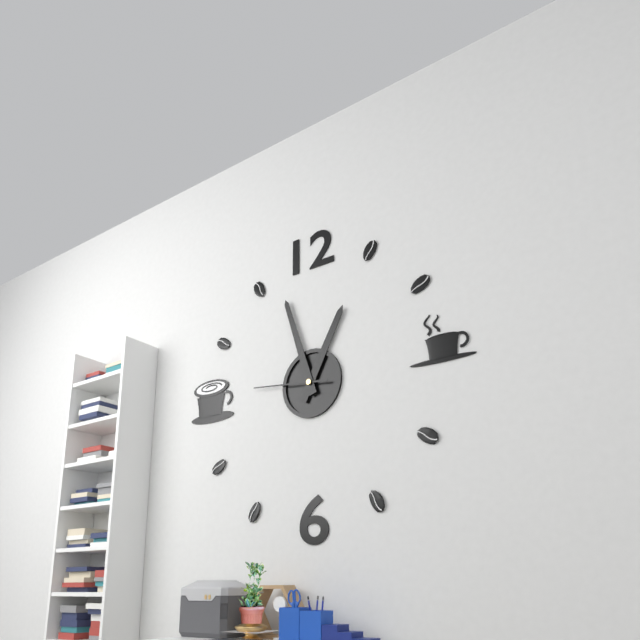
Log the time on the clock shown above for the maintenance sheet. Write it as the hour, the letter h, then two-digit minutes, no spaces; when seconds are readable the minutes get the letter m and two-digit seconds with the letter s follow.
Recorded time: 12h57m46s
